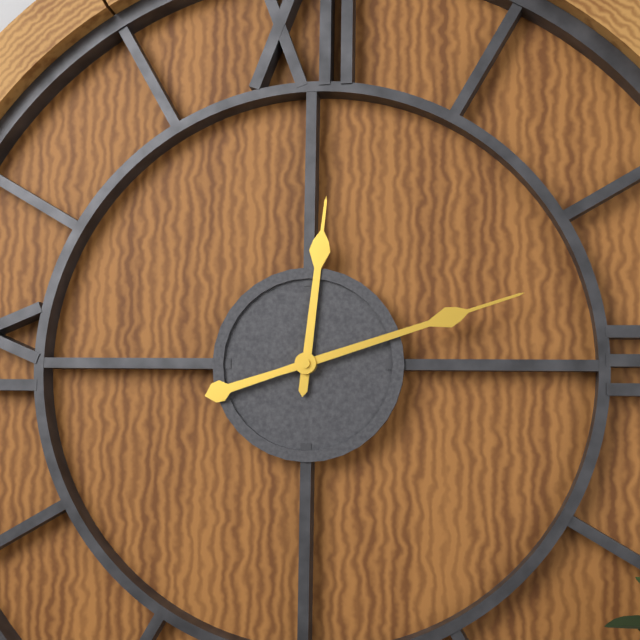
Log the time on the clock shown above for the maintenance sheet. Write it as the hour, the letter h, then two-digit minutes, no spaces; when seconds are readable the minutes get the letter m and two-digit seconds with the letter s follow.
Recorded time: 12h12
